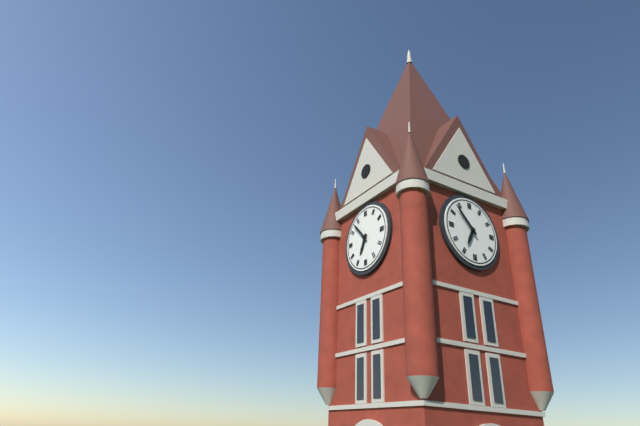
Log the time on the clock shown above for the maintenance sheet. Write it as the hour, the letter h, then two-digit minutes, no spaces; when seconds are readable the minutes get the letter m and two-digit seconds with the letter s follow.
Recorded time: 6h53
